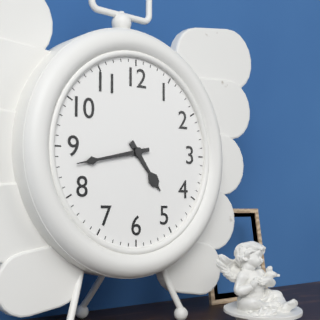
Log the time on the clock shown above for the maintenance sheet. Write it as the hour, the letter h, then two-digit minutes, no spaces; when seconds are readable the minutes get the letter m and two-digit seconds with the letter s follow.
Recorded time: 4h43
